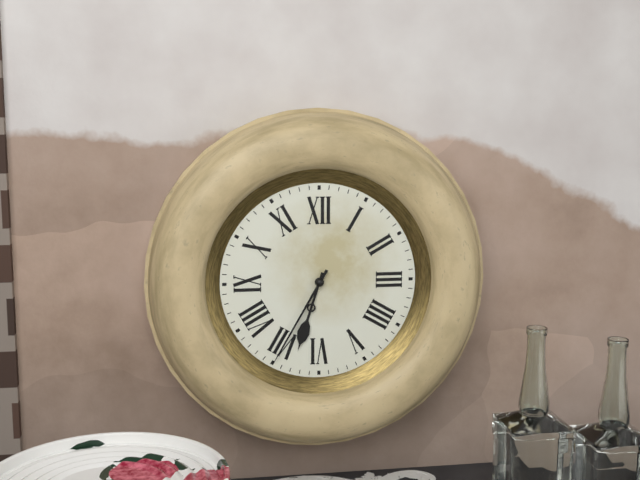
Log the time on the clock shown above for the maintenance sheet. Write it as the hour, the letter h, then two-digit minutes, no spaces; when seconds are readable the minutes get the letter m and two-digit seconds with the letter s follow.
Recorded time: 6h35
